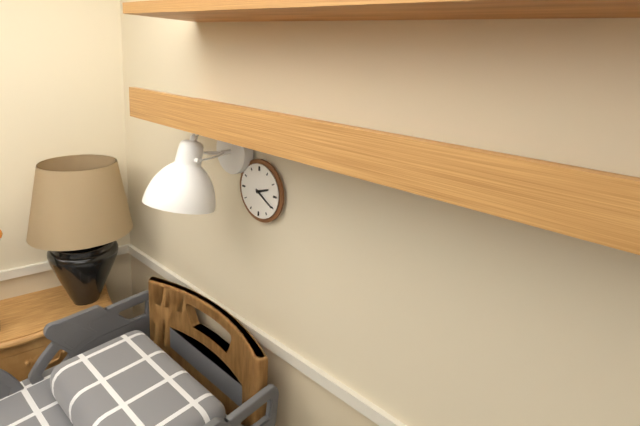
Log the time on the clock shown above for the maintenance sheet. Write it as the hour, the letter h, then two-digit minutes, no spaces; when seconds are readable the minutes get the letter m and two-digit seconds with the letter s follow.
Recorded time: 2h20
